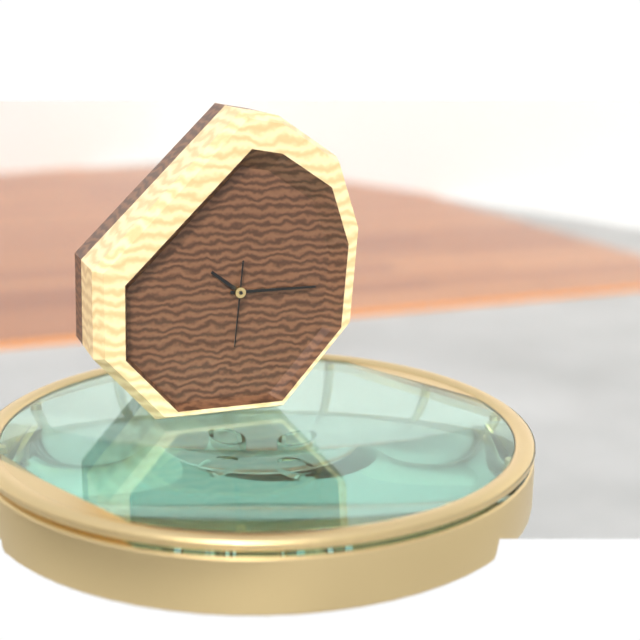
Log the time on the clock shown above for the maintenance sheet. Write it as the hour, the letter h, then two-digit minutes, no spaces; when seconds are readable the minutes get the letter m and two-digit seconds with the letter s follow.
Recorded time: 10h15m31s
